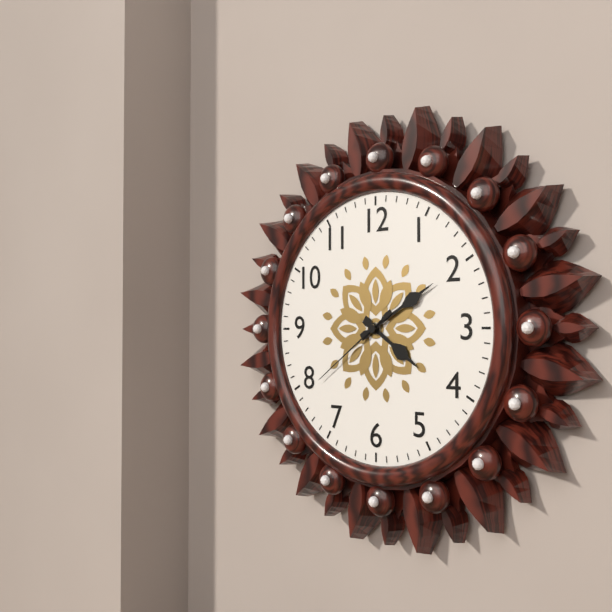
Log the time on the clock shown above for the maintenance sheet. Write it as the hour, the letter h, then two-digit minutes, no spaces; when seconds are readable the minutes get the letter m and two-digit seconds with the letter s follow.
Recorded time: 4h10m39s
